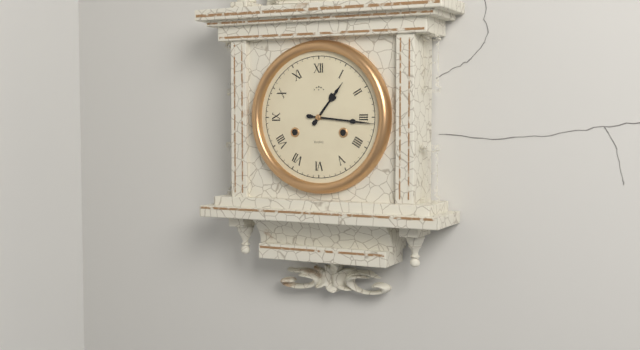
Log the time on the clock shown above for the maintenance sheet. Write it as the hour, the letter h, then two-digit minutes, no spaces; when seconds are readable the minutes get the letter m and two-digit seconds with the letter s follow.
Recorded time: 1h16
